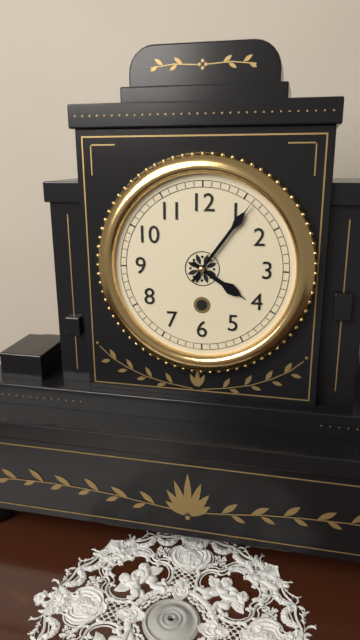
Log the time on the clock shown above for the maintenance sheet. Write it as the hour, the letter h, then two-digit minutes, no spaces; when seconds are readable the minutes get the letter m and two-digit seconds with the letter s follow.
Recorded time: 4h06
